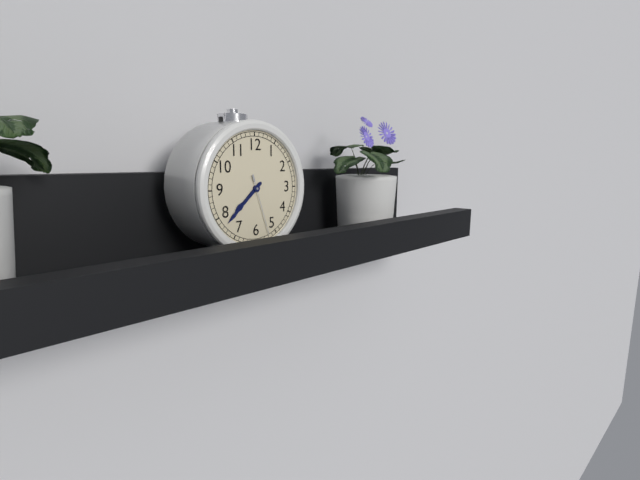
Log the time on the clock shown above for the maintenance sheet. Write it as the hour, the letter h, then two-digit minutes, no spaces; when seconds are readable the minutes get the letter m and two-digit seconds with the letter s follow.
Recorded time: 7h38m27s
